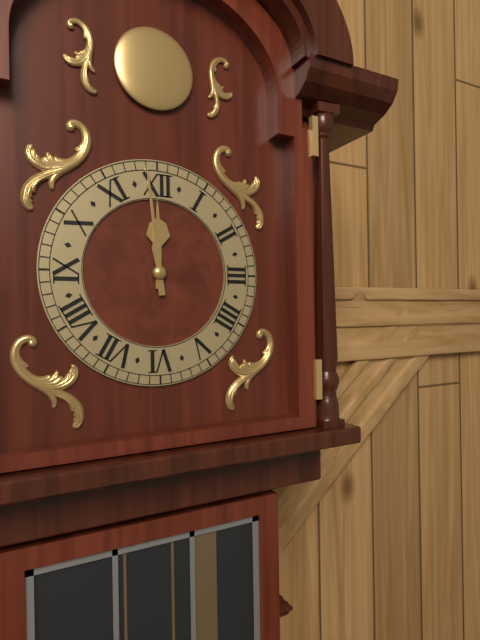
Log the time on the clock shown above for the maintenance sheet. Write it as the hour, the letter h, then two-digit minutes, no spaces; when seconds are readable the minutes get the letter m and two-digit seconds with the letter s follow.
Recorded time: 11h59
